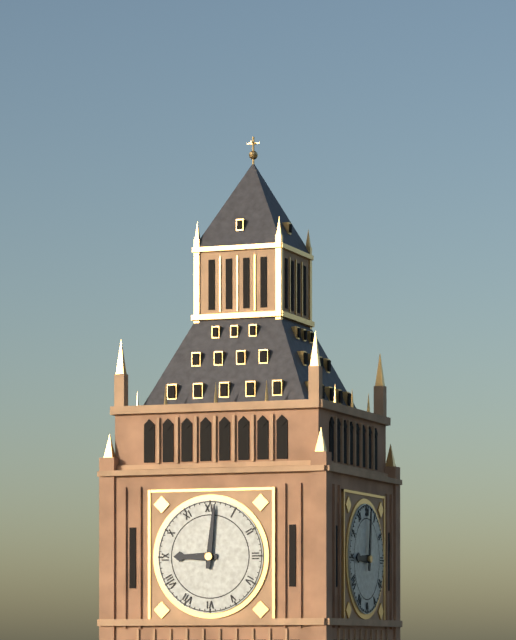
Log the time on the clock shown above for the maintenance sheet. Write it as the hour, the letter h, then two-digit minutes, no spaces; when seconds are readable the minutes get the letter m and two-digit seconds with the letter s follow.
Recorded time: 9h01
